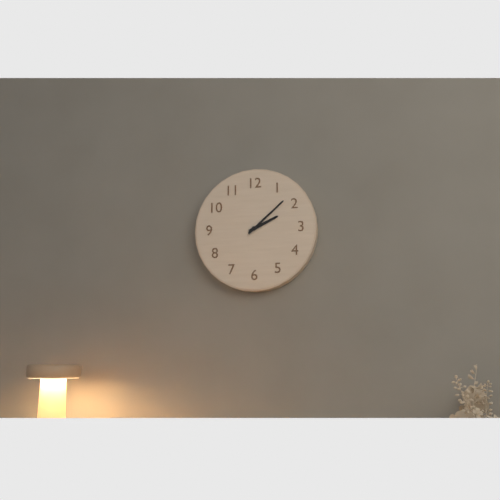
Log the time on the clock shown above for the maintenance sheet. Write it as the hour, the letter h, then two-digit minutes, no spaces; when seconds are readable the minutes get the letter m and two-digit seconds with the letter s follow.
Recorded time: 2h08
